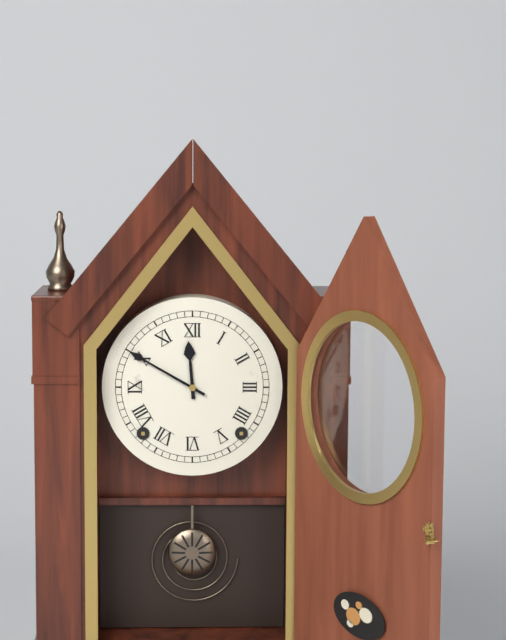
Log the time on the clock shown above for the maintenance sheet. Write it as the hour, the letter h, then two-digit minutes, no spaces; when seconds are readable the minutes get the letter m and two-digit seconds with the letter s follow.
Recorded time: 11h50
